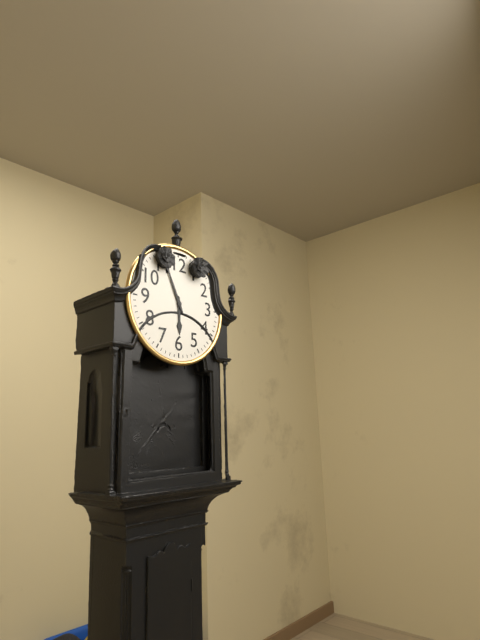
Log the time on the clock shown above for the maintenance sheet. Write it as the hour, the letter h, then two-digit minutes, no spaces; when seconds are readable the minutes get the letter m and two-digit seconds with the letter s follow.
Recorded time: 5h56
